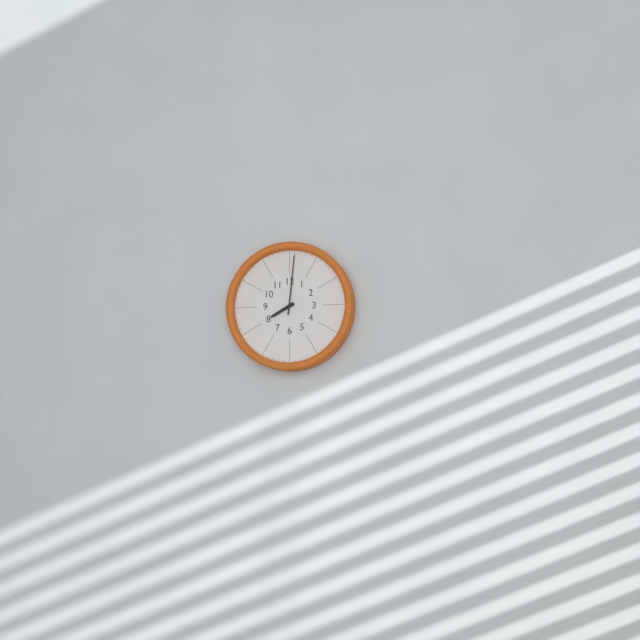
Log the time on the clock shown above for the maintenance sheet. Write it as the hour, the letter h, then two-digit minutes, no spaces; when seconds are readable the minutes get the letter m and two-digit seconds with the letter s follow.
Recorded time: 8h01
